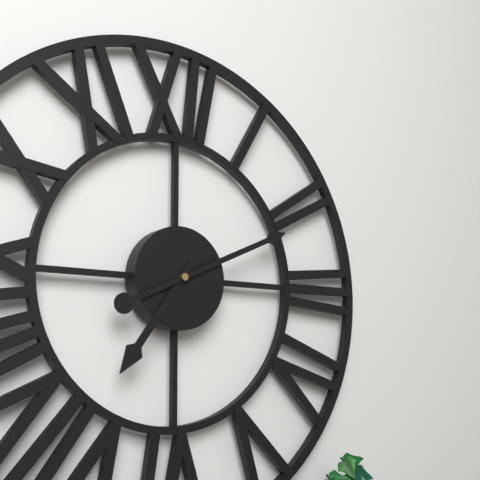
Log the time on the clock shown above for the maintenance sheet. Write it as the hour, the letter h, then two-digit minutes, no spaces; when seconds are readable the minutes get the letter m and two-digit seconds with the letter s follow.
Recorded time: 7h11
